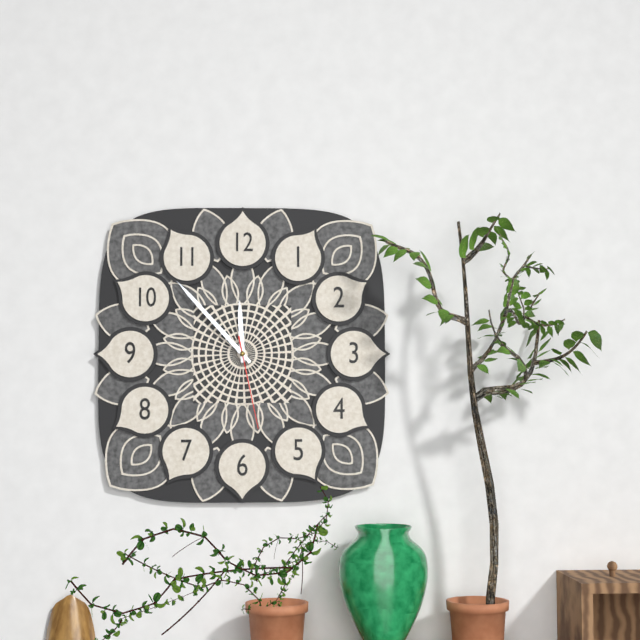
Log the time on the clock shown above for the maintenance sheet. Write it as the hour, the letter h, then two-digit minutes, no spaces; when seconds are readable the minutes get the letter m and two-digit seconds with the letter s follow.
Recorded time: 11h53m28s
